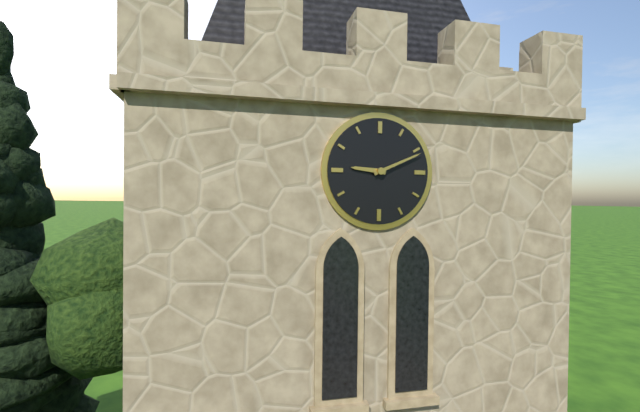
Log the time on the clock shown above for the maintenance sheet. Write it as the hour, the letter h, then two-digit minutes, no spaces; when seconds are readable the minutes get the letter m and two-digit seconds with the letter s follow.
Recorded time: 9h11
